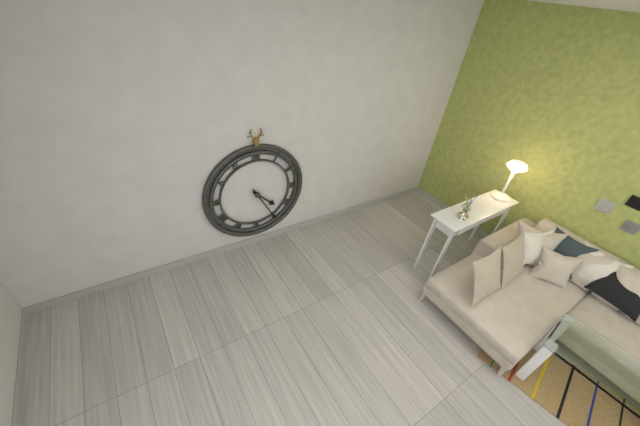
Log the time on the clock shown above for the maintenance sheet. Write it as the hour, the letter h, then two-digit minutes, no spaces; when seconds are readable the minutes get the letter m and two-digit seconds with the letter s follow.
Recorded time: 4h25
